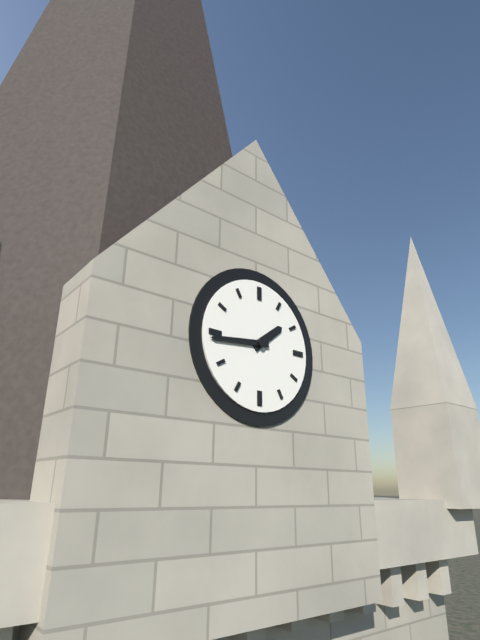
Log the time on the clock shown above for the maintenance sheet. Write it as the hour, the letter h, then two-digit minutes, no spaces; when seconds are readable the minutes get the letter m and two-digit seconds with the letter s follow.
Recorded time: 1h44
